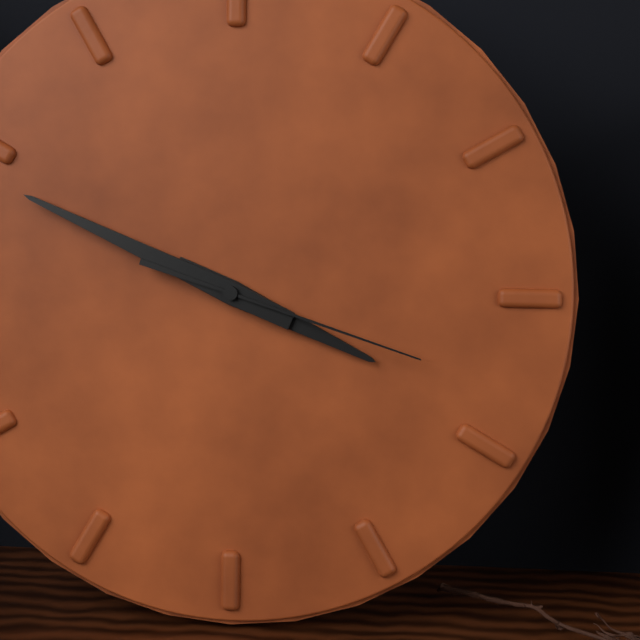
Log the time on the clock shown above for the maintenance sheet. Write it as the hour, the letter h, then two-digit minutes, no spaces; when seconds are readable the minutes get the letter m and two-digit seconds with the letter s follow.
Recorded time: 3h49m18s
